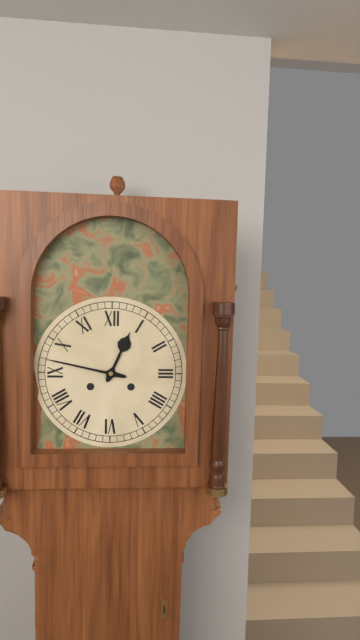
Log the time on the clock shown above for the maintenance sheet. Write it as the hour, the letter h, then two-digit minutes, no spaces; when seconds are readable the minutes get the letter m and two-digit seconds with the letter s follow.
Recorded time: 12h47
